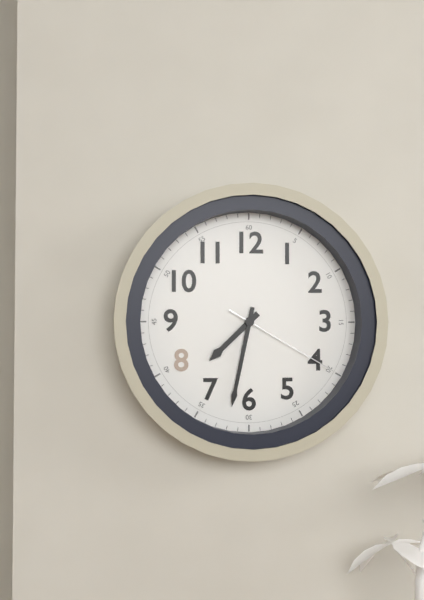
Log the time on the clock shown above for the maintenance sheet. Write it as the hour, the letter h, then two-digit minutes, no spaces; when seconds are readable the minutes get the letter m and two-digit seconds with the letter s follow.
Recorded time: 7h32m20s
